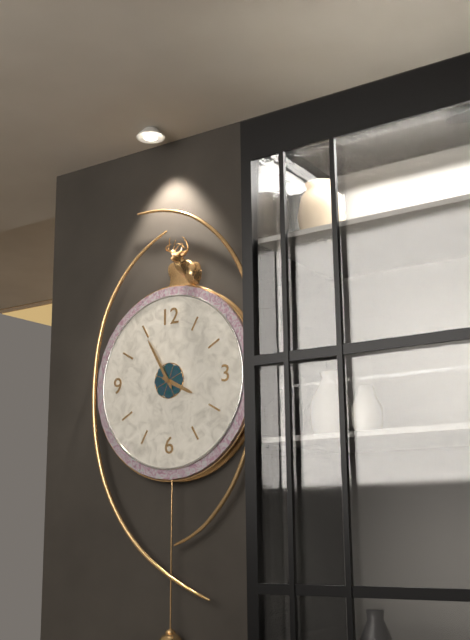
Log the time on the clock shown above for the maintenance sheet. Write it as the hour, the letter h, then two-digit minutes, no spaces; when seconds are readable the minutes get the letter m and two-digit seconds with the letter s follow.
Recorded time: 3h55
